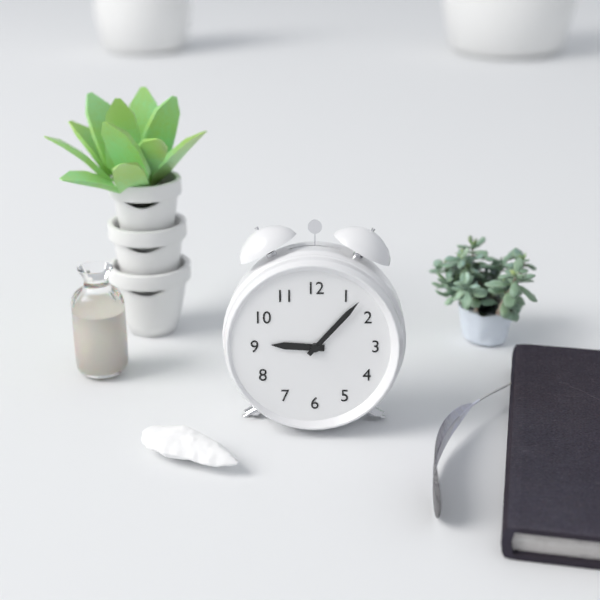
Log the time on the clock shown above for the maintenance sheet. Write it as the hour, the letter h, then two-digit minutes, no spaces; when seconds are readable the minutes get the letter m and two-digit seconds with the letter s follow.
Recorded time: 9h07
